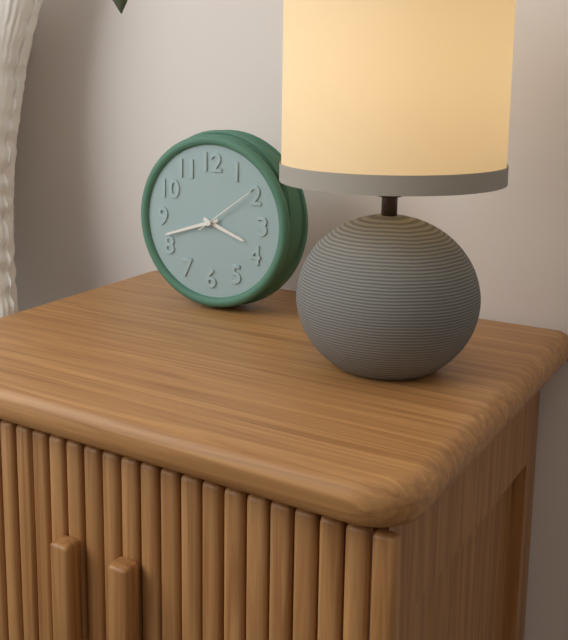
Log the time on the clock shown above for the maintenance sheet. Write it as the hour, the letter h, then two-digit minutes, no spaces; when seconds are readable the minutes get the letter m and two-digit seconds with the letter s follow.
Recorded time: 3h42m09s
